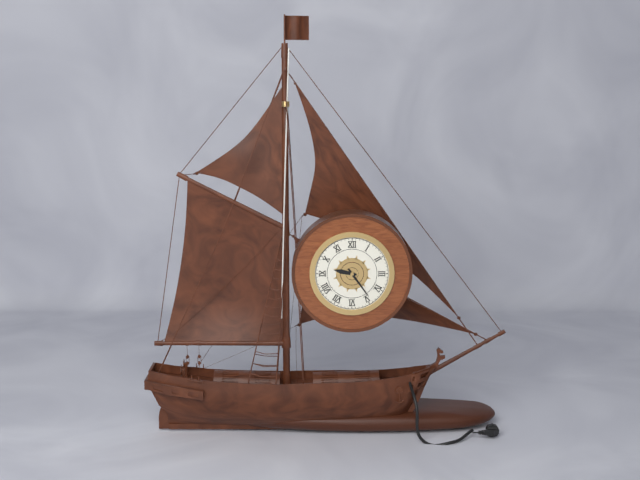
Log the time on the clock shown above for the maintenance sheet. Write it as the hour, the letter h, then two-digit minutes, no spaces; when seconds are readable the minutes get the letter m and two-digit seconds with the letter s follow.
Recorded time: 9h24
